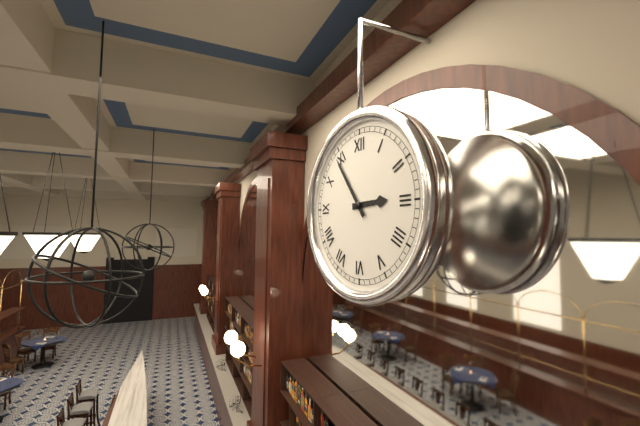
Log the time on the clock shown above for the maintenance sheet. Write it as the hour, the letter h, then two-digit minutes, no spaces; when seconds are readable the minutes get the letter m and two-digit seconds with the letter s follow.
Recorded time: 2h54
